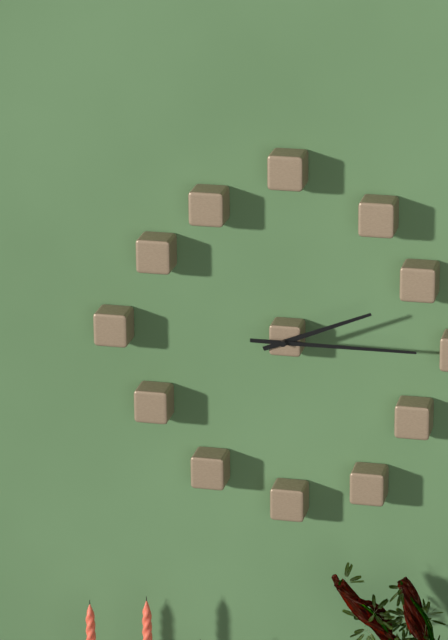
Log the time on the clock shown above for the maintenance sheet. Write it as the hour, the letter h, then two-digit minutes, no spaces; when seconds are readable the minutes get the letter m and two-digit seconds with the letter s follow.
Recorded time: 2h15
